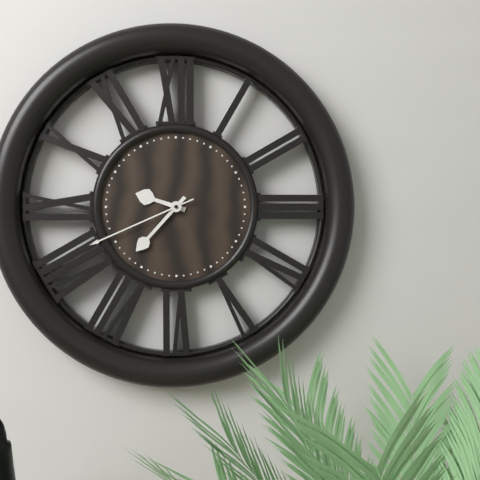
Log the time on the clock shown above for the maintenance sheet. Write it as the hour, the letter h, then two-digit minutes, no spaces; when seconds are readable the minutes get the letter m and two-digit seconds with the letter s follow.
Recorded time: 9h37m41s
